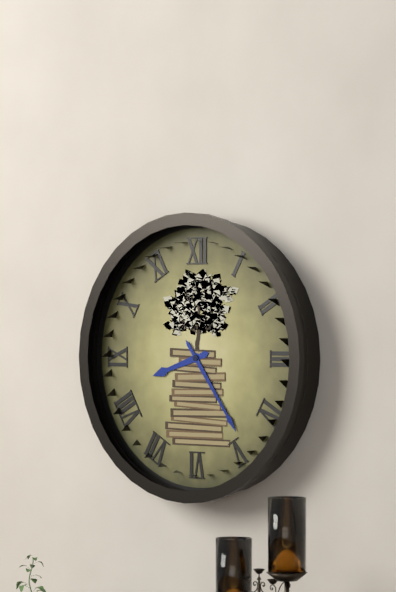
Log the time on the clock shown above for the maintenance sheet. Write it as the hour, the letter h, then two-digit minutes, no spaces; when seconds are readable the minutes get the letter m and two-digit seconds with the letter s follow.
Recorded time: 8h24
